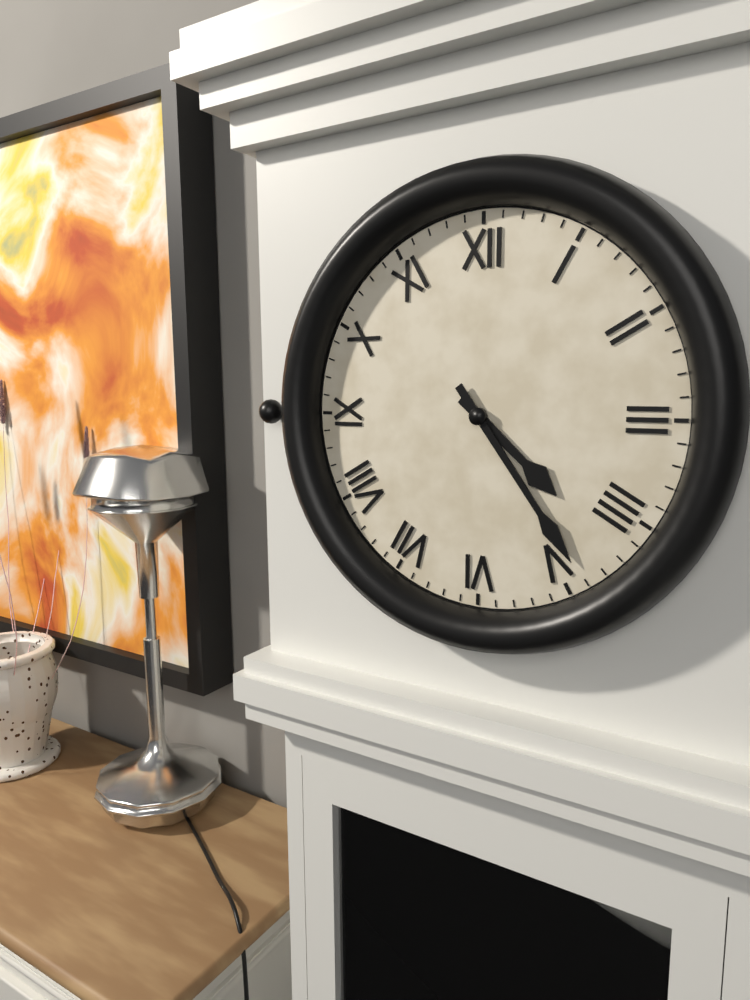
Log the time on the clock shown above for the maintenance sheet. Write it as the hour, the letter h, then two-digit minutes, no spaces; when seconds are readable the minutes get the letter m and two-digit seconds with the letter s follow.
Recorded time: 4h24
